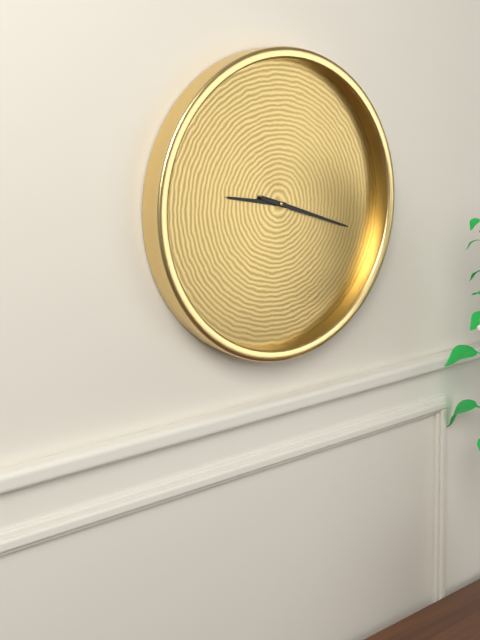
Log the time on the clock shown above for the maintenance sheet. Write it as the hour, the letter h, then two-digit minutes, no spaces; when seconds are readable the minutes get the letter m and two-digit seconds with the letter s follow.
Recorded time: 9h18
